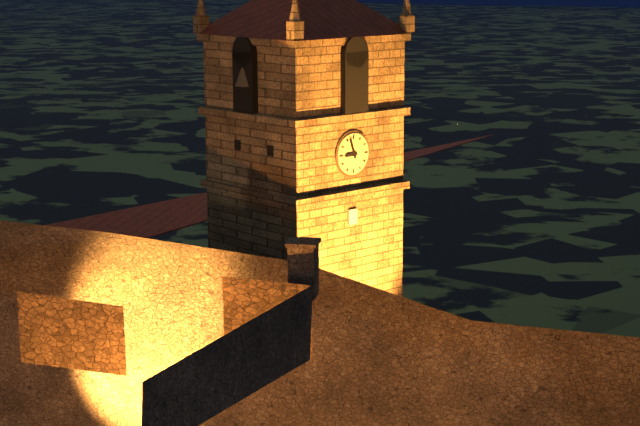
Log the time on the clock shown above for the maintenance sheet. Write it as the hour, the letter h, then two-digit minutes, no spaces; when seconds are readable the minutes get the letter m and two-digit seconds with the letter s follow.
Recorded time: 8h57
